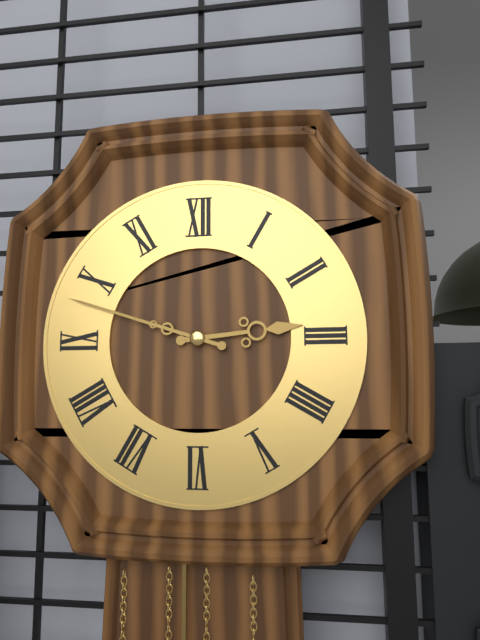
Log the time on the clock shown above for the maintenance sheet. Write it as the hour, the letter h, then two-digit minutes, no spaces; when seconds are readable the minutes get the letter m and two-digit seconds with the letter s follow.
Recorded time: 2h48
